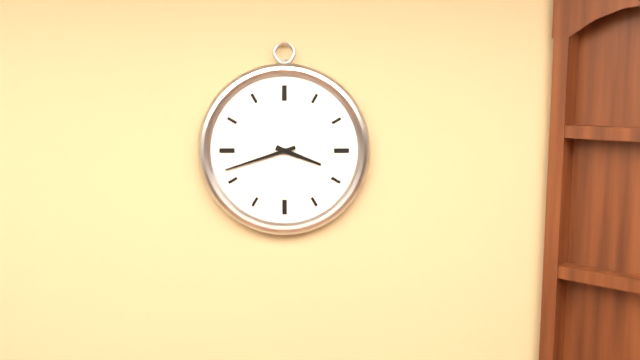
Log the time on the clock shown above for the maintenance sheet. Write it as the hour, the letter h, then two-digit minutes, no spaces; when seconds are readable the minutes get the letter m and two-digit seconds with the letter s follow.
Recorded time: 3h42
